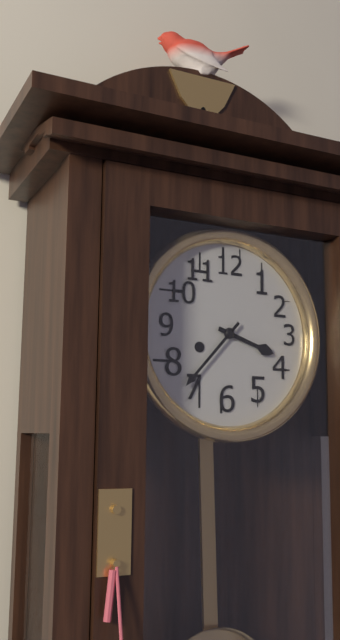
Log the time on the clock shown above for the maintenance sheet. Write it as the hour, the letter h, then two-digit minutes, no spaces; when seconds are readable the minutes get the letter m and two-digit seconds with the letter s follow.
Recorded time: 3h37
